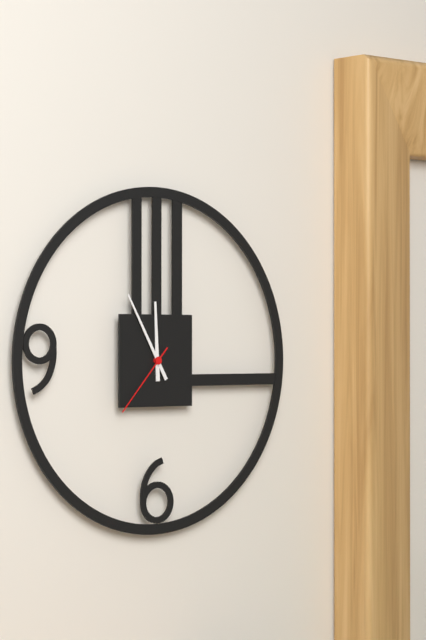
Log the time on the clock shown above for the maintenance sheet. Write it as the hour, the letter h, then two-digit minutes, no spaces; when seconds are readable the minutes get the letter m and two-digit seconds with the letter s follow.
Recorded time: 11h55m37s
